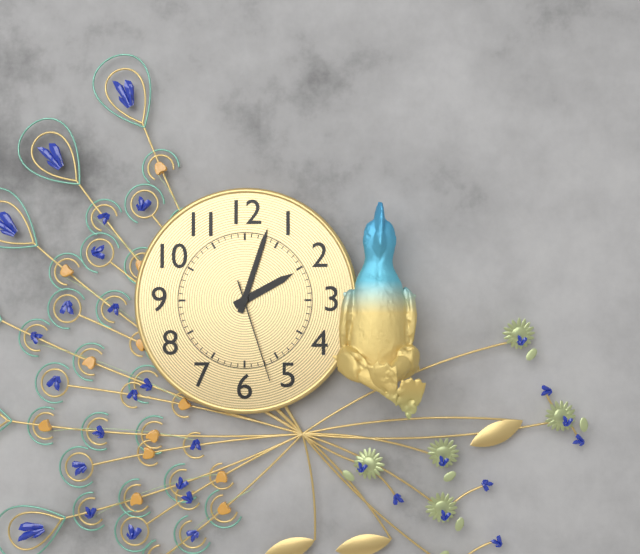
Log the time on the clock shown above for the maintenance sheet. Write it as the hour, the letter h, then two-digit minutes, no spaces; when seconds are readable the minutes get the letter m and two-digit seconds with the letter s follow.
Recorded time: 2h03m27s
